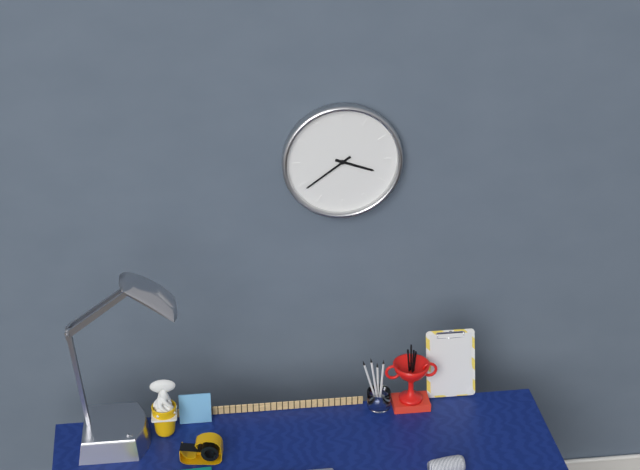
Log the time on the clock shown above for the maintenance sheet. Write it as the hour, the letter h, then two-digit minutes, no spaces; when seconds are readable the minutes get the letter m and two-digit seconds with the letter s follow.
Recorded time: 3h39
